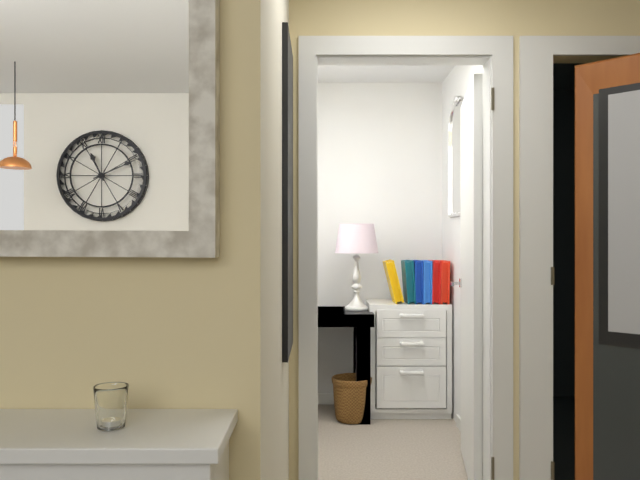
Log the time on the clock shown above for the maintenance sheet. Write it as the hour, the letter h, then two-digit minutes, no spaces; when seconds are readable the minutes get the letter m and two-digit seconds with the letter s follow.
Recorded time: 11h11
